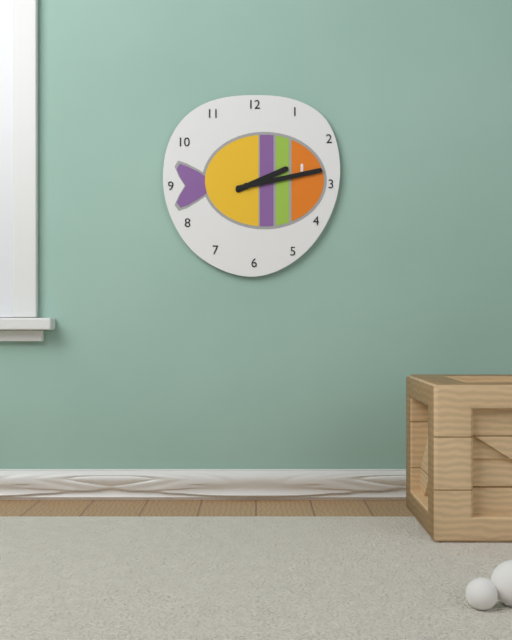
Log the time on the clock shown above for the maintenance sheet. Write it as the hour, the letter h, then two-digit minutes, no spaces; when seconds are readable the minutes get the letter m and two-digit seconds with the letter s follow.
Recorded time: 2h13
